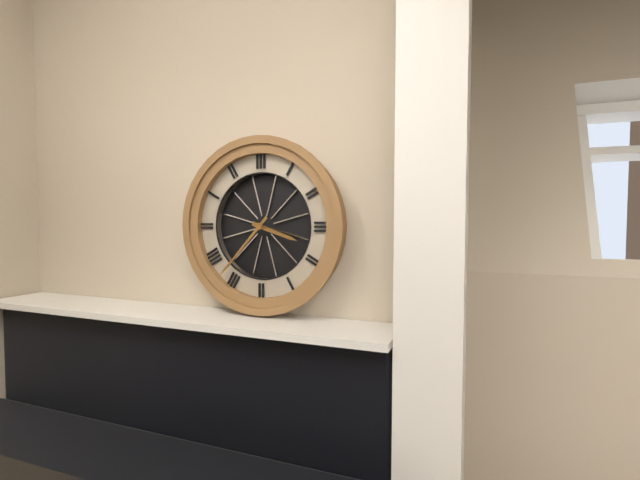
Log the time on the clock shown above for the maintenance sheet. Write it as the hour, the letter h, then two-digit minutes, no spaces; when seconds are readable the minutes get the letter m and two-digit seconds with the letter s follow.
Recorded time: 3h37
